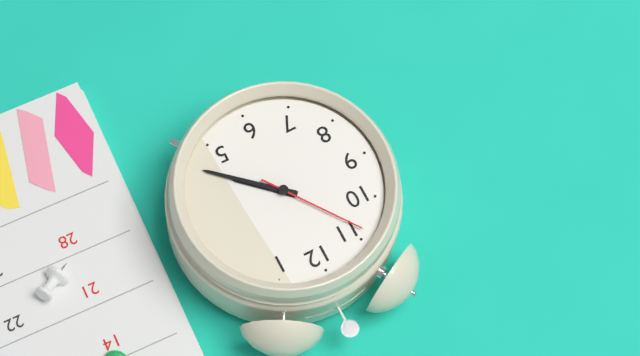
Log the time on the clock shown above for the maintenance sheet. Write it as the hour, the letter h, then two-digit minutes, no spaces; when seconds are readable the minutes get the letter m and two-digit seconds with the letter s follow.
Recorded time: 4h22m54s
